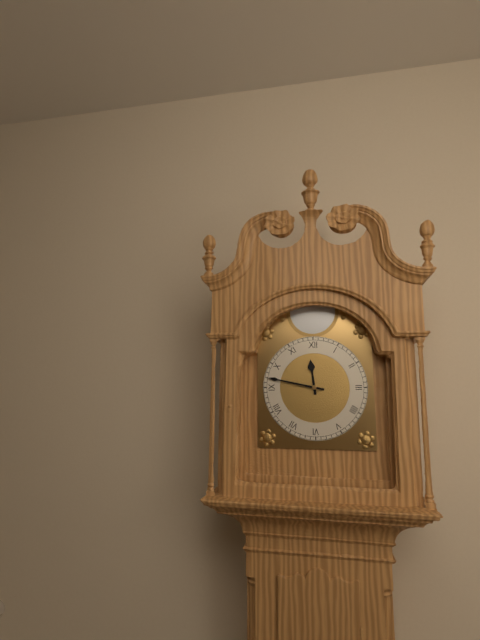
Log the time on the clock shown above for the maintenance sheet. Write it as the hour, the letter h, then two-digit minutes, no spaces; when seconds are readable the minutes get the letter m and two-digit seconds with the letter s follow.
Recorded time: 11h47
